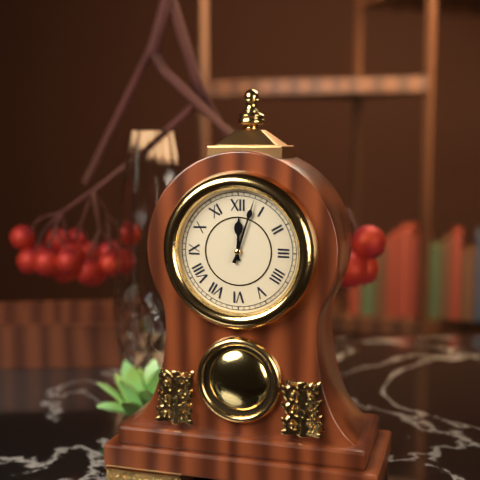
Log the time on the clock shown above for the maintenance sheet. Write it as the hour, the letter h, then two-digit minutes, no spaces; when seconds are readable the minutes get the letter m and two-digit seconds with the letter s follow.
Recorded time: 12h03
